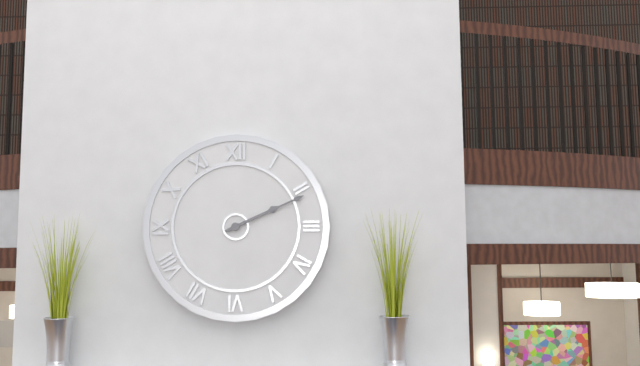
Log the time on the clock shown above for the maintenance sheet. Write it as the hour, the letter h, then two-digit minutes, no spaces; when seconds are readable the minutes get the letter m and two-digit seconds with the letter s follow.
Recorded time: 2h11
